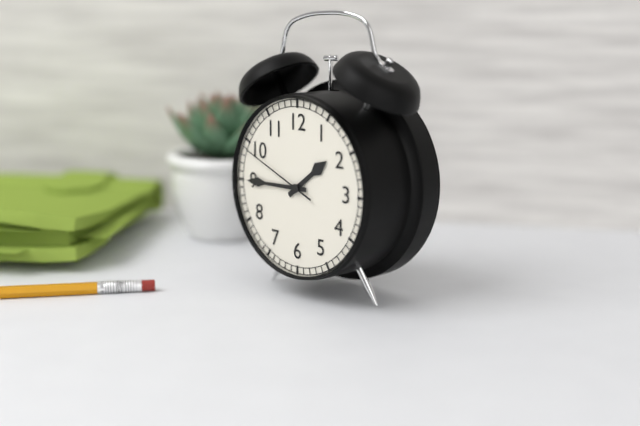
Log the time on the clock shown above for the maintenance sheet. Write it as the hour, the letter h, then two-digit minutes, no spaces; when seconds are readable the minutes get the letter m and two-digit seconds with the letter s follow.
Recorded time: 1h45m49s
